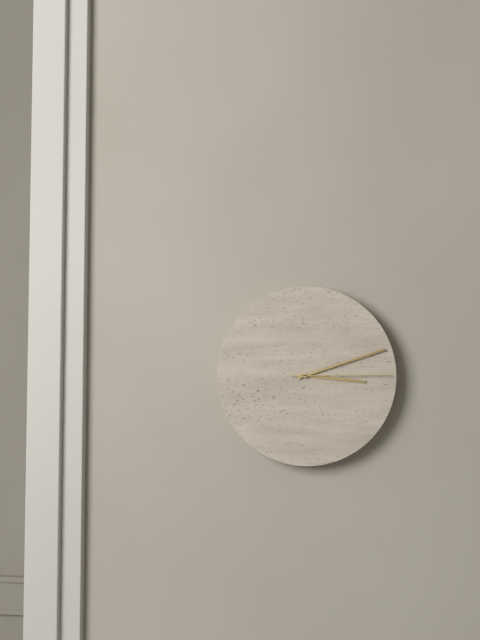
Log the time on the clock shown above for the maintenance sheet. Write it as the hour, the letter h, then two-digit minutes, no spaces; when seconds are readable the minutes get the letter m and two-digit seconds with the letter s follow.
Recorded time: 3h12m15s
